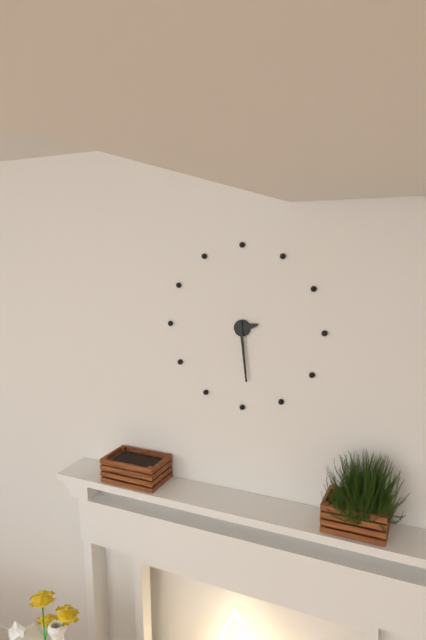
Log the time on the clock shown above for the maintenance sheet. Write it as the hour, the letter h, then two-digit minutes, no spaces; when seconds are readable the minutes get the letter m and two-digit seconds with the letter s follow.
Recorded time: 2h29
